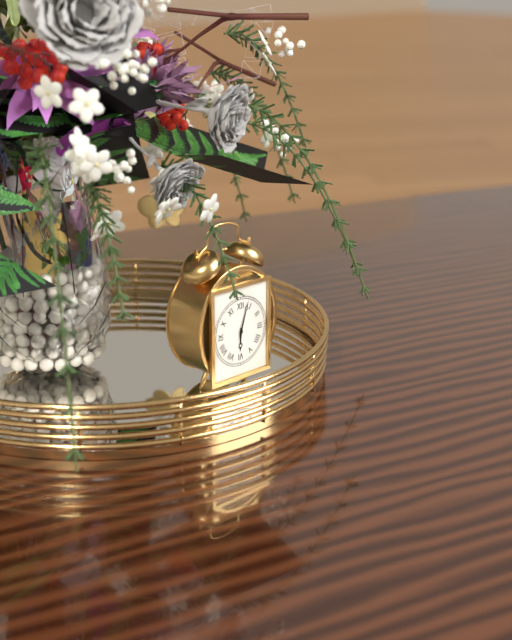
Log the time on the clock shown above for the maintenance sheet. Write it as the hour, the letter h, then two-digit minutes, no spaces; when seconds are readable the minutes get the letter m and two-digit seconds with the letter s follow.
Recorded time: 6h03
